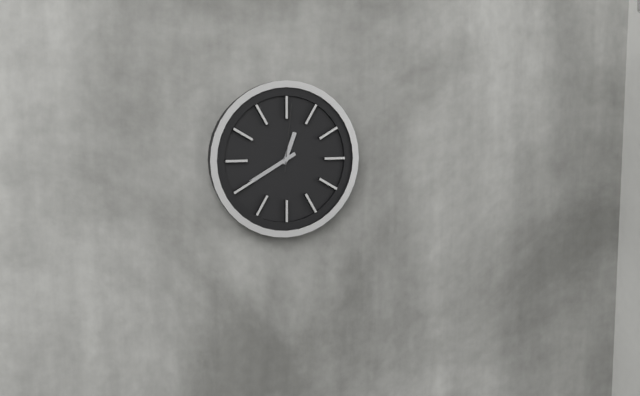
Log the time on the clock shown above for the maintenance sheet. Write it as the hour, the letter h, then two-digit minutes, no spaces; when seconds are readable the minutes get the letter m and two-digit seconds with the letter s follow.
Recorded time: 12h40m01s
